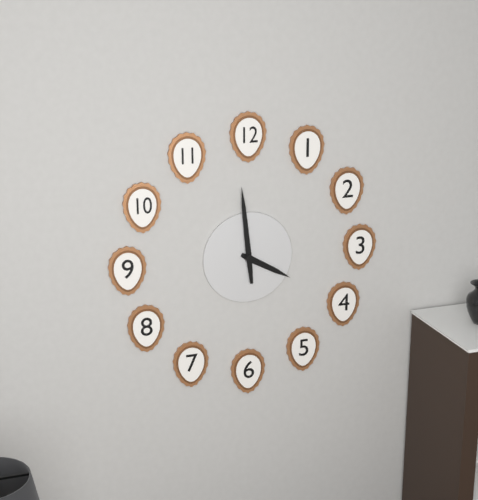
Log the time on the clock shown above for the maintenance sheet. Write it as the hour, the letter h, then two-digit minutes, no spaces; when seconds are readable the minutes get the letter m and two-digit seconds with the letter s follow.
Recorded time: 3h59
